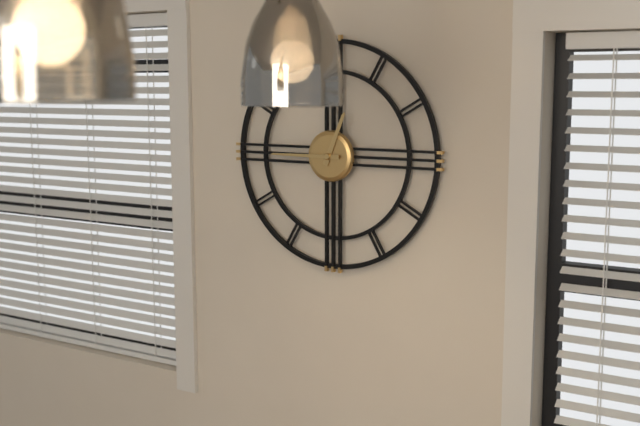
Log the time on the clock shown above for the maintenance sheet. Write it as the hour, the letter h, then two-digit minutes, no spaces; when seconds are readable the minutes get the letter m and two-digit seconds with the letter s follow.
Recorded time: 12h45
